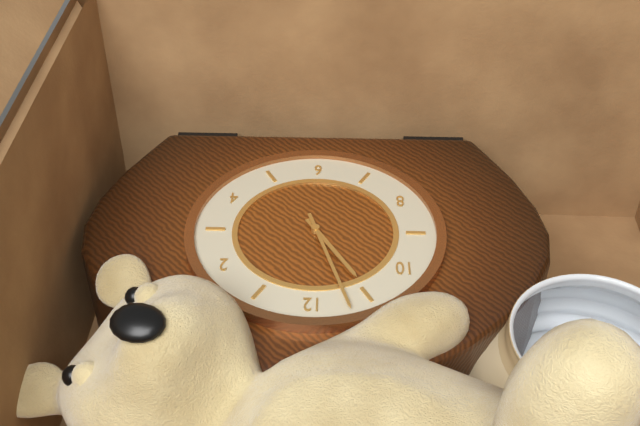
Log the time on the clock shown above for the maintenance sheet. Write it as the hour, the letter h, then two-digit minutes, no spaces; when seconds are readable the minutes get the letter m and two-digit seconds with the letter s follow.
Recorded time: 10h57
